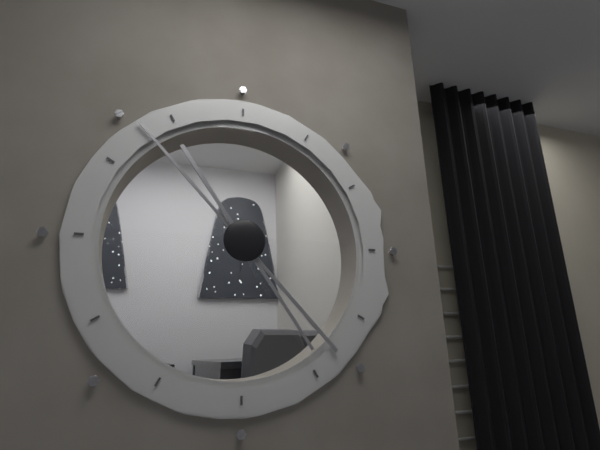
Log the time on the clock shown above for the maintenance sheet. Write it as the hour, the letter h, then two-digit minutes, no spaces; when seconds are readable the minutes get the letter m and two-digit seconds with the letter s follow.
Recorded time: 4h53
